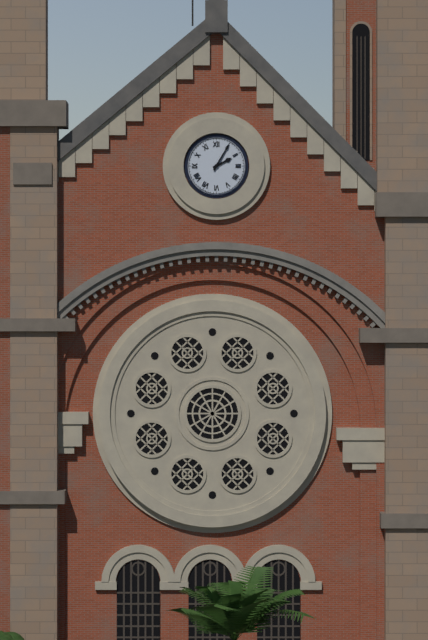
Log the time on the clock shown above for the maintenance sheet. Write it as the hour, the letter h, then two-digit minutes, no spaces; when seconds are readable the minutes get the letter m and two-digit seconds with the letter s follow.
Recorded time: 2h05
